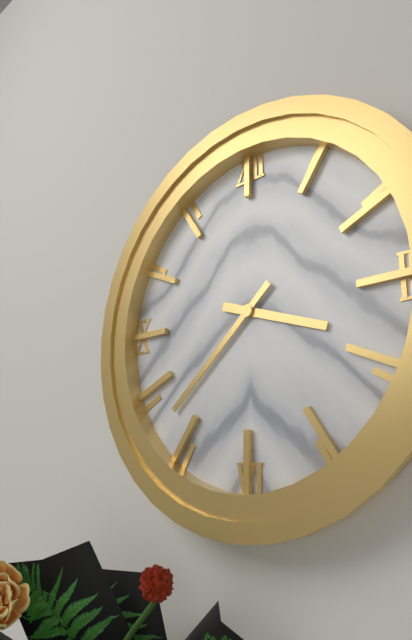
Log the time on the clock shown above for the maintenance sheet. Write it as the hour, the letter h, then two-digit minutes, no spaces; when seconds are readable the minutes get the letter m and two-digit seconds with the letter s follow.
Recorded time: 3h38
